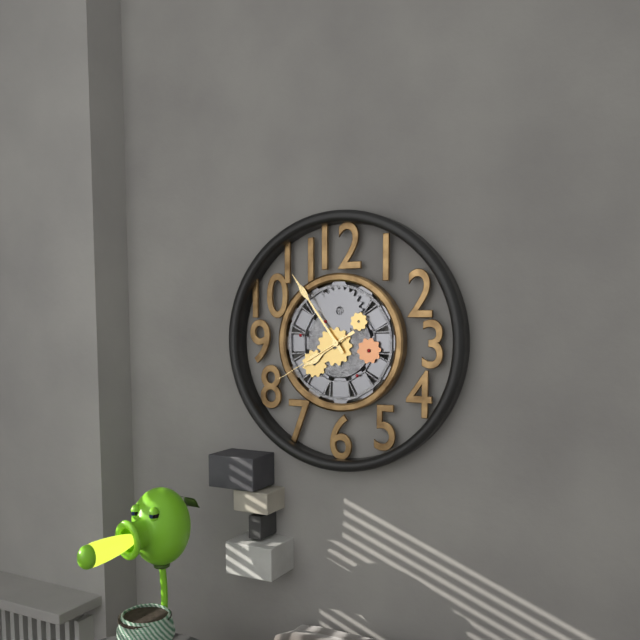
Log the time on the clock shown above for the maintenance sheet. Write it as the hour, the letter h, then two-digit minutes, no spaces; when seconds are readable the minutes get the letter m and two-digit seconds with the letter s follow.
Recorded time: 7h54m40s
